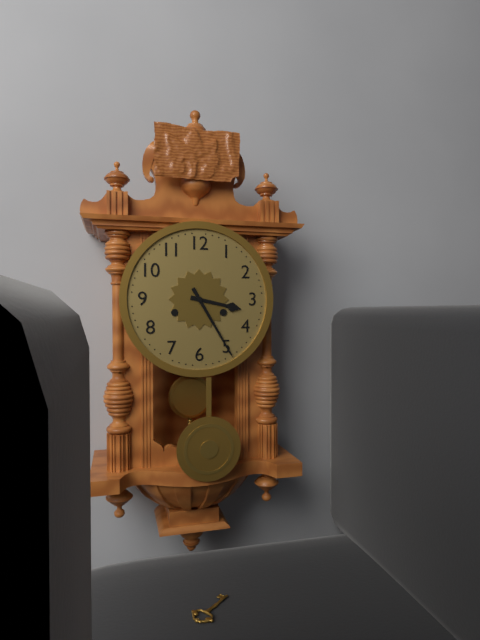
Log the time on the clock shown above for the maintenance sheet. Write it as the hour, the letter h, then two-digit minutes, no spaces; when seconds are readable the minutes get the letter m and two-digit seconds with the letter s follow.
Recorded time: 3h25
